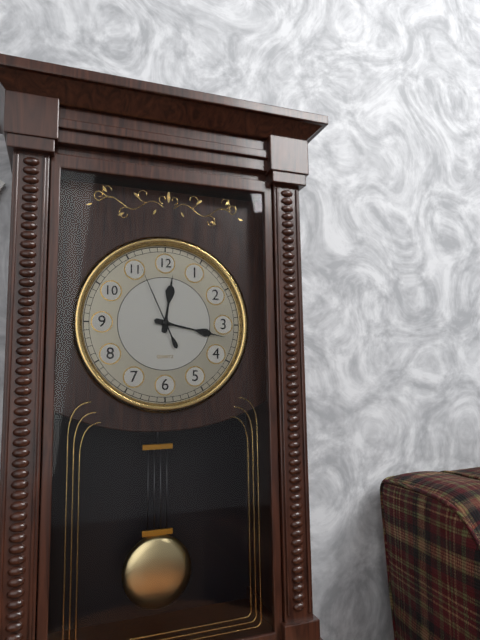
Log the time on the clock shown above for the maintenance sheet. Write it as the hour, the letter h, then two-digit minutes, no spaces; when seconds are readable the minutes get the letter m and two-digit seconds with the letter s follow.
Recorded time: 12h17m56s
